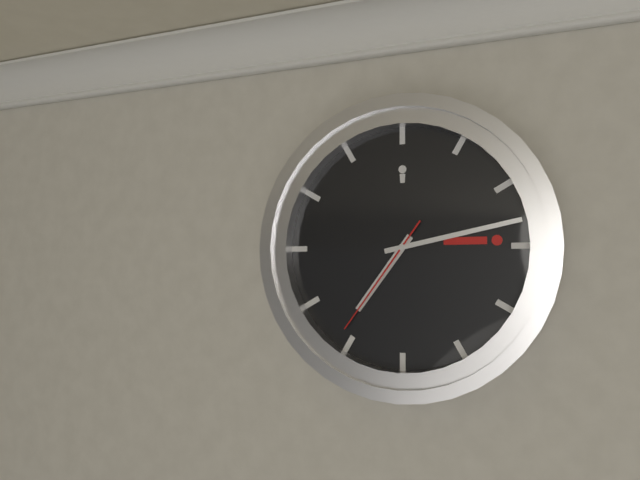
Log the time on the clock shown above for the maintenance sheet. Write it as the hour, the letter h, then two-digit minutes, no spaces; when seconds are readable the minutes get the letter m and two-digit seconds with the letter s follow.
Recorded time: 7h13m36s
